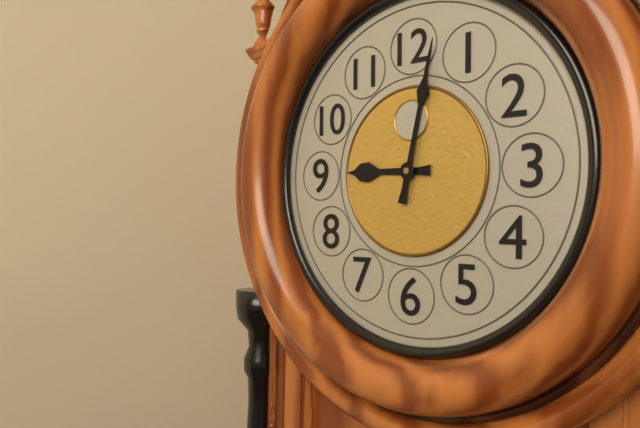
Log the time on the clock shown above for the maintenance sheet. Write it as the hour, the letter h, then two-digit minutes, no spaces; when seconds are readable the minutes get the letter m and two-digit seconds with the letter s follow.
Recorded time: 9h02
